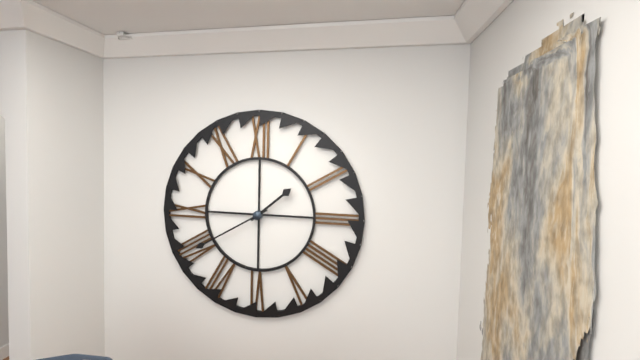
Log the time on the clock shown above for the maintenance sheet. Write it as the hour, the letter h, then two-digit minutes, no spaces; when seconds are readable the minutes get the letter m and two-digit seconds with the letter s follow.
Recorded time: 1h40
